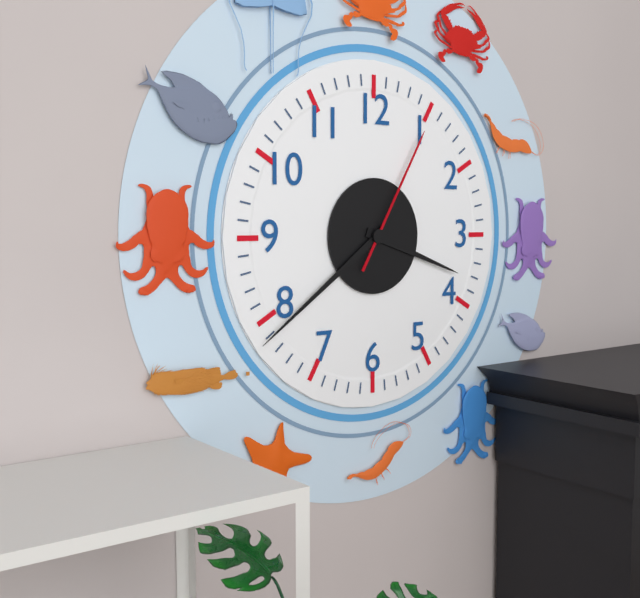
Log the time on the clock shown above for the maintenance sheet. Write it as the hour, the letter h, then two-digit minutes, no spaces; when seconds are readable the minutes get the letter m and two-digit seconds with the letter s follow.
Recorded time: 3h39m05s
